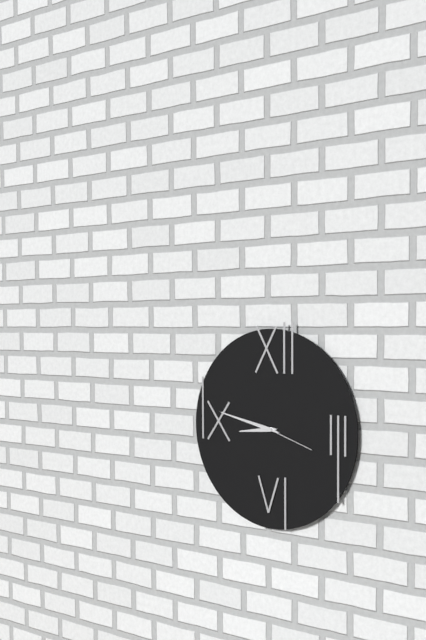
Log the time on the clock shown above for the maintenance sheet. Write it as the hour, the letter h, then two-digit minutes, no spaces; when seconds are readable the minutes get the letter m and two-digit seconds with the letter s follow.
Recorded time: 8h47m18s
